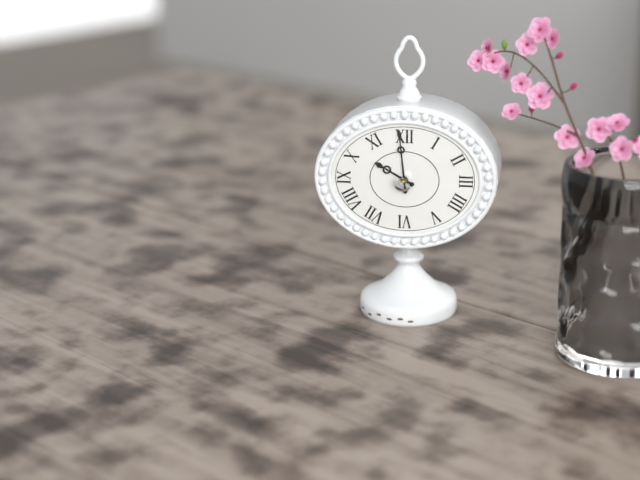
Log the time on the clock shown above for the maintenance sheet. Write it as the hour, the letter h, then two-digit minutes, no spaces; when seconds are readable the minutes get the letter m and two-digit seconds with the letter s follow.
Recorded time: 9h59
